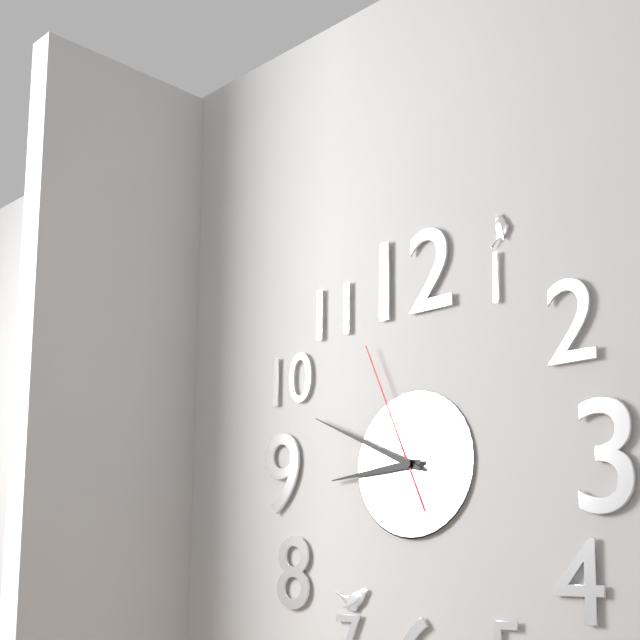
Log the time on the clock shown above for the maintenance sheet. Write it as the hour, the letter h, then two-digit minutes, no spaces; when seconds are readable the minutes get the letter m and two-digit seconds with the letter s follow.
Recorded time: 8h49m56s
